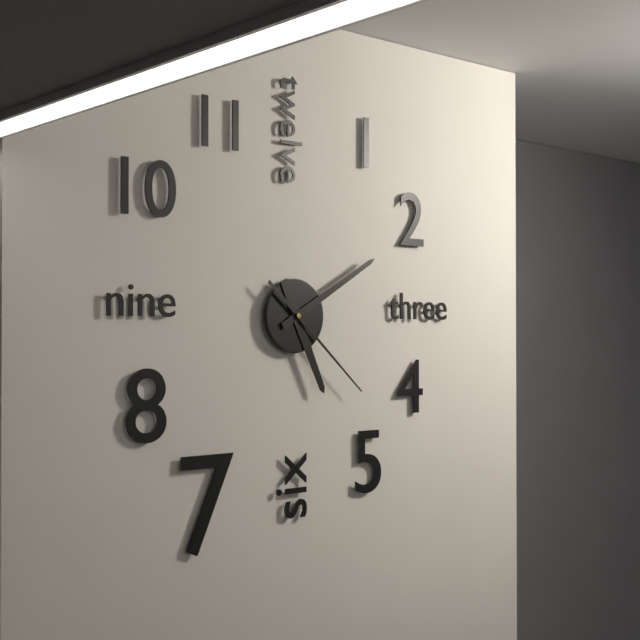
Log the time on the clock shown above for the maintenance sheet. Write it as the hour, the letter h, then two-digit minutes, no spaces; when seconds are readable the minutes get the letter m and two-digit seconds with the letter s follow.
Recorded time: 5h10m22s
